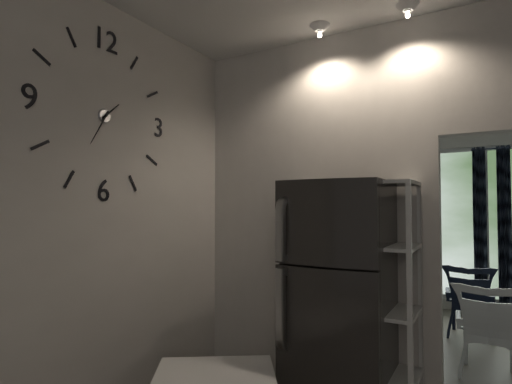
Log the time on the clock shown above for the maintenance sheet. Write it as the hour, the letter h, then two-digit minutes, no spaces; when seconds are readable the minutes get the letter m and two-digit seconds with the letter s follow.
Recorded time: 1h35
